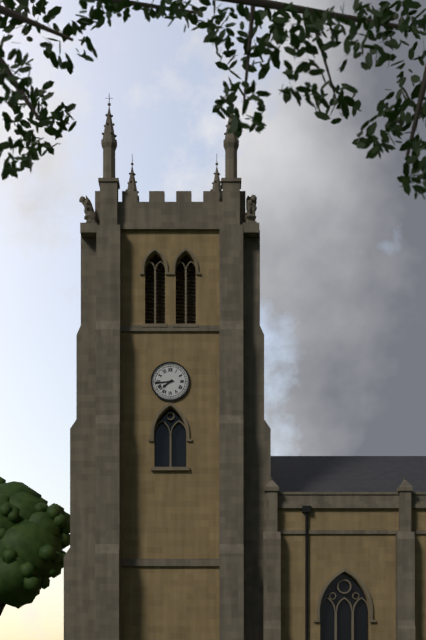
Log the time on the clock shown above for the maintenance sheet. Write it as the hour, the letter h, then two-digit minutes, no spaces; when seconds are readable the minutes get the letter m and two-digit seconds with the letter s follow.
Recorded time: 7h44
